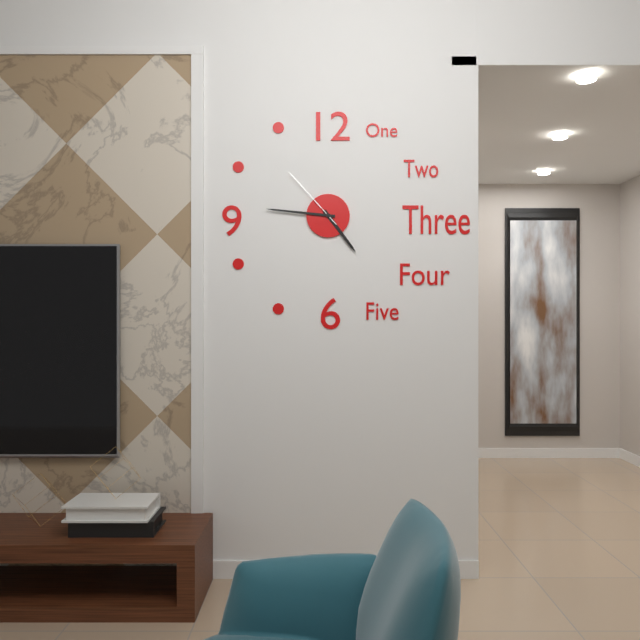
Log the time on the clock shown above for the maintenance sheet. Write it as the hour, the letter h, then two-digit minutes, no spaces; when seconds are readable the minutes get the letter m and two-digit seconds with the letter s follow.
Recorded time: 4h46m53s
